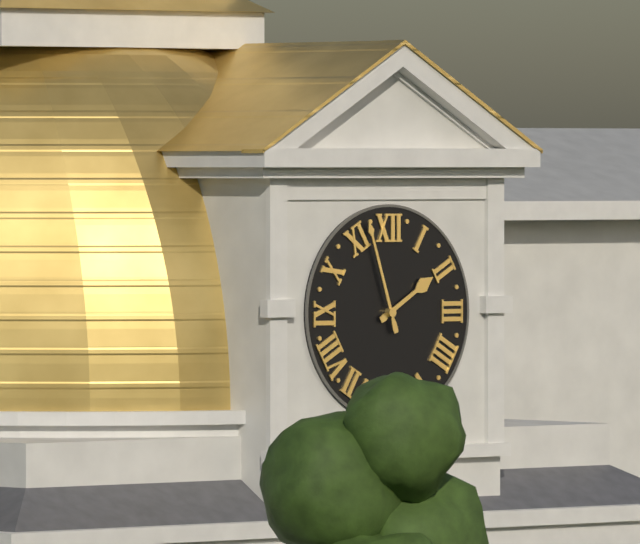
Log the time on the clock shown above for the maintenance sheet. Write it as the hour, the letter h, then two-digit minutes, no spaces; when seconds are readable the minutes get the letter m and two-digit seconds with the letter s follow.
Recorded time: 1h57
